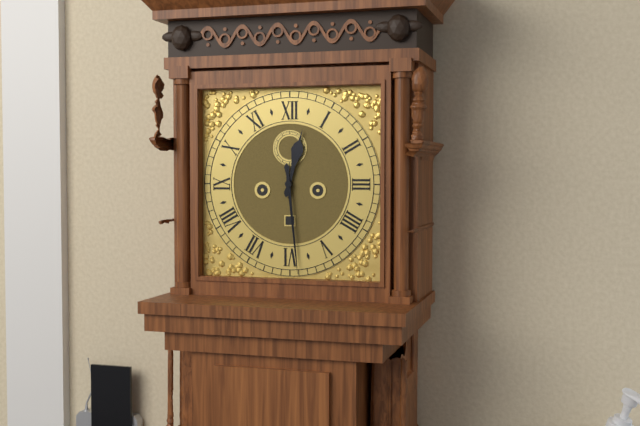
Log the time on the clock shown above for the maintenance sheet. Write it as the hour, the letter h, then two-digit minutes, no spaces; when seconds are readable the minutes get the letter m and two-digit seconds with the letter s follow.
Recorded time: 12h29
